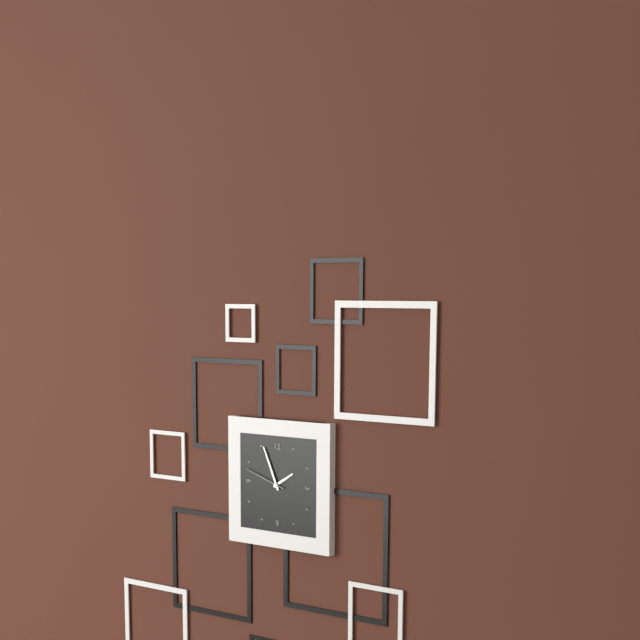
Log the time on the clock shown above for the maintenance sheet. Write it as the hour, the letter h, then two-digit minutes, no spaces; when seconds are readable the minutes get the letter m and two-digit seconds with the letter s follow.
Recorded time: 1h56
